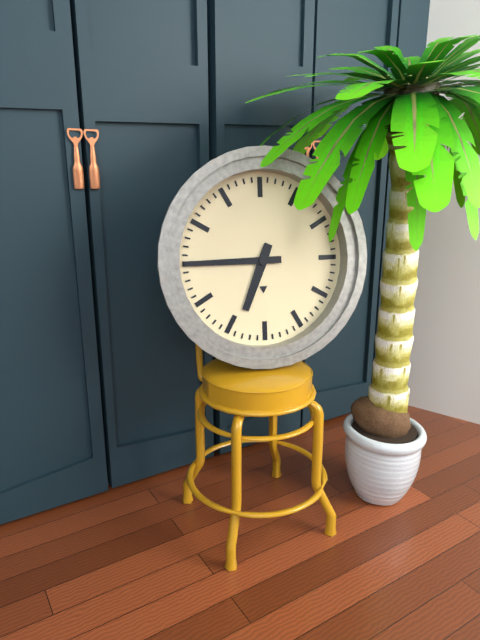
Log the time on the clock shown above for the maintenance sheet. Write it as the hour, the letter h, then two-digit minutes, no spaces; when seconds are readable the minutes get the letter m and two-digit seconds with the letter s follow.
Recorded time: 6h45
